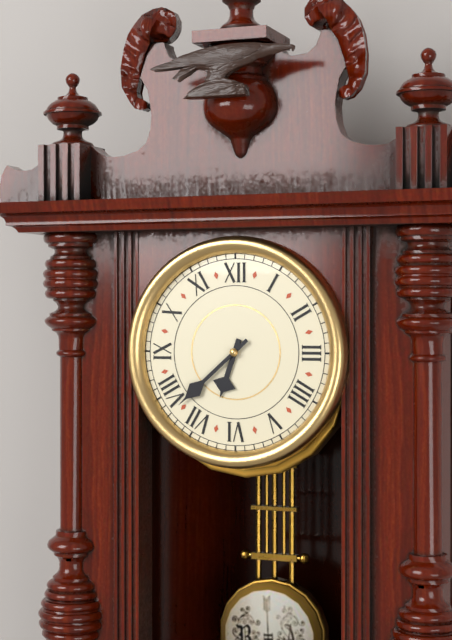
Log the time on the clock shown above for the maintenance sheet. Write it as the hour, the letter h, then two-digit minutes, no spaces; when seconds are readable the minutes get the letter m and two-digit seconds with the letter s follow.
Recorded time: 6h38
